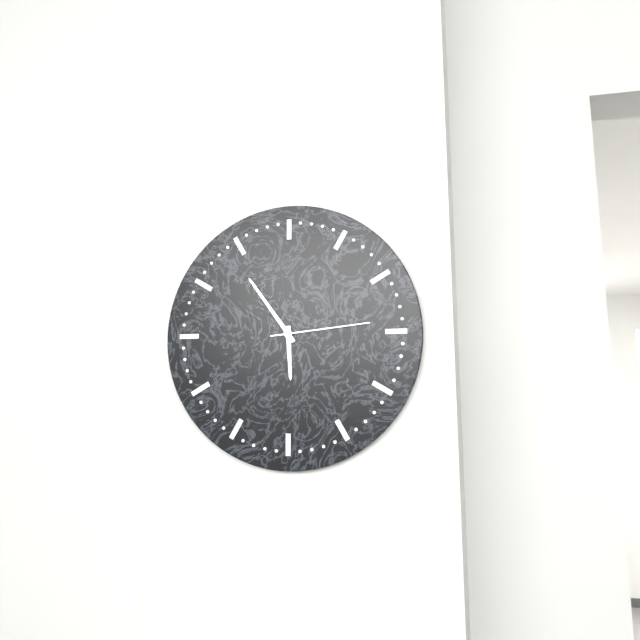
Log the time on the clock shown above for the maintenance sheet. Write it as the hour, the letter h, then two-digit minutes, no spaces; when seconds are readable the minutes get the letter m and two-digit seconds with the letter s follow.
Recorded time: 5h54m14s
